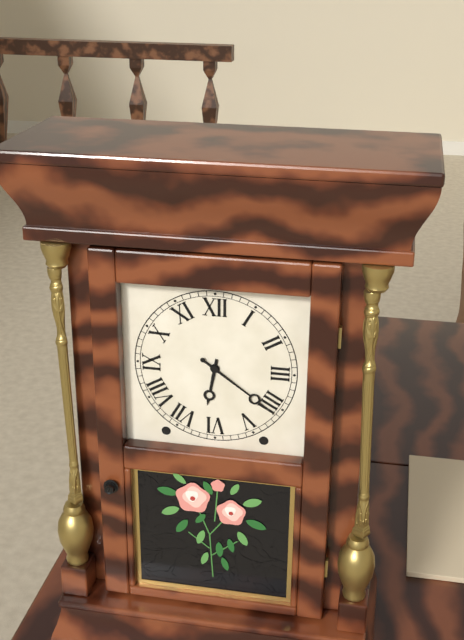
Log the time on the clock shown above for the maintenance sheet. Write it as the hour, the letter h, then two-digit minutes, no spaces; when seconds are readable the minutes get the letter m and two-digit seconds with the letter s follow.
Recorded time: 6h21
